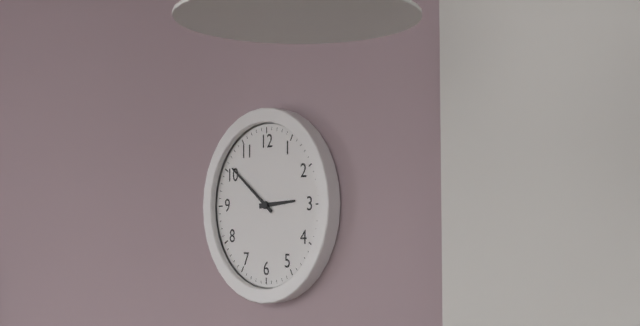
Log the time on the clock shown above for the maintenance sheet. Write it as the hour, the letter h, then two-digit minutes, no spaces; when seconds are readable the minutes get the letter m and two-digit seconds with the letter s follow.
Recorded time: 2h51
